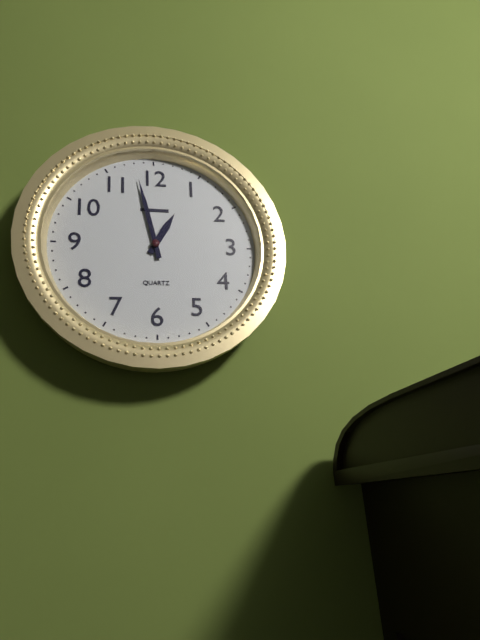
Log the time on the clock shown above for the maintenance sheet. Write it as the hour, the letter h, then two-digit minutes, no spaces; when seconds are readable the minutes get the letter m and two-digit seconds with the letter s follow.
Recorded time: 12h58
